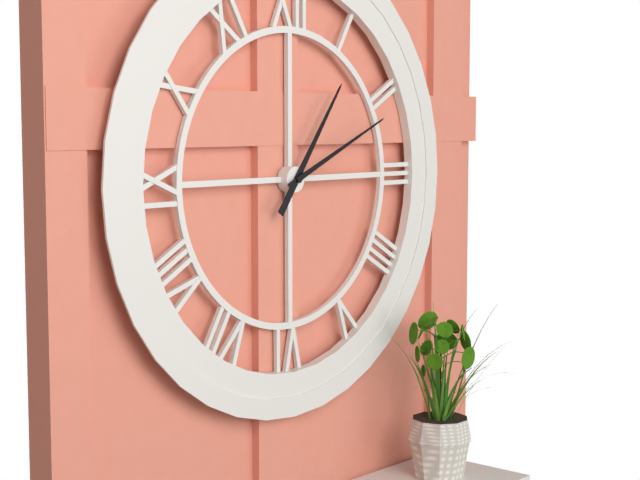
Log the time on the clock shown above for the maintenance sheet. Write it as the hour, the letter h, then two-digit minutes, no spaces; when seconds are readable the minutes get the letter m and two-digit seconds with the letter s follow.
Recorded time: 1h11
